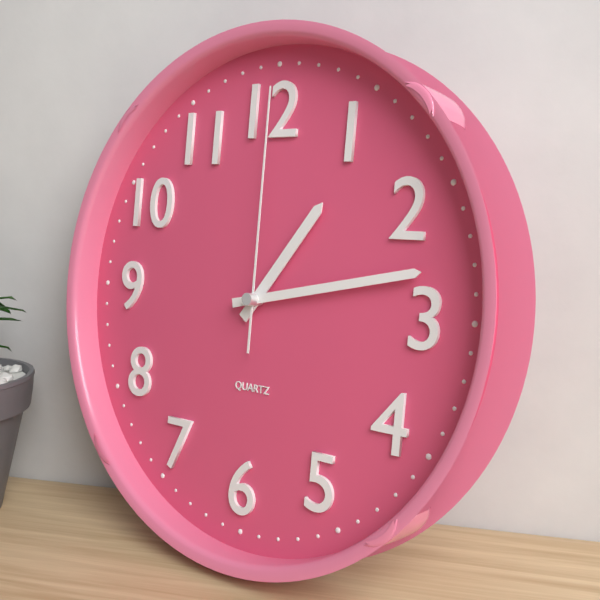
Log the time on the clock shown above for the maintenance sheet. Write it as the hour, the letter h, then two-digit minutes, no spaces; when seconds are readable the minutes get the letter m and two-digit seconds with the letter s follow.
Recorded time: 1h13m00s
